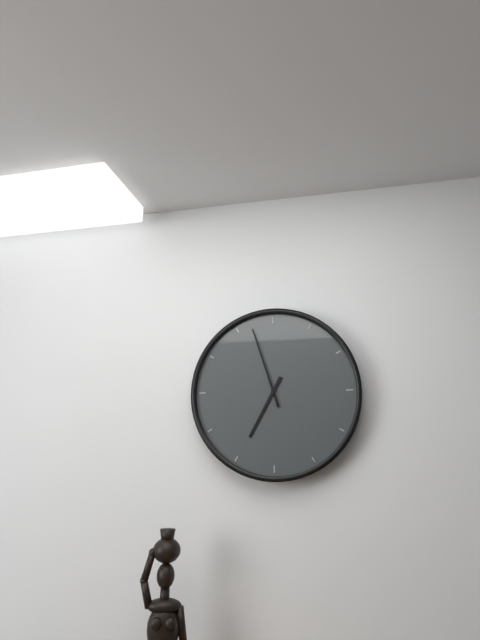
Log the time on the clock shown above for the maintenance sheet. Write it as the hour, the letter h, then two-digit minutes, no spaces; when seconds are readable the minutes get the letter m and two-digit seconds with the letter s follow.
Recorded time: 6h57
